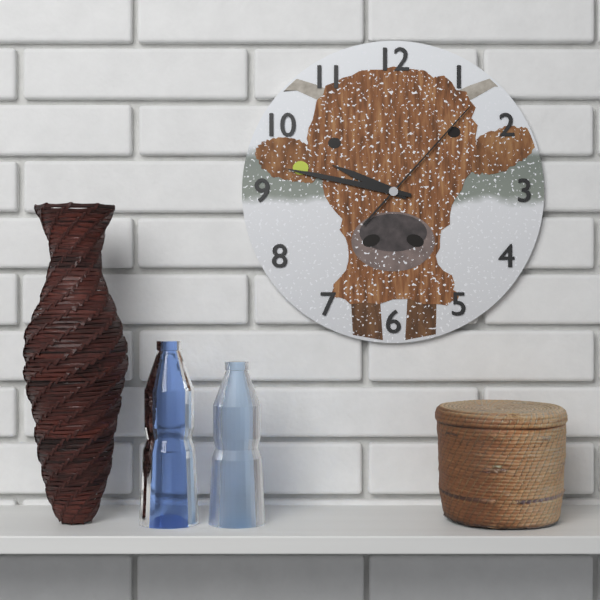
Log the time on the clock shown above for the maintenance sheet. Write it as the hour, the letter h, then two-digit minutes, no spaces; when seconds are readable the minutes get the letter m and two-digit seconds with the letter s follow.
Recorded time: 9h47m07s
